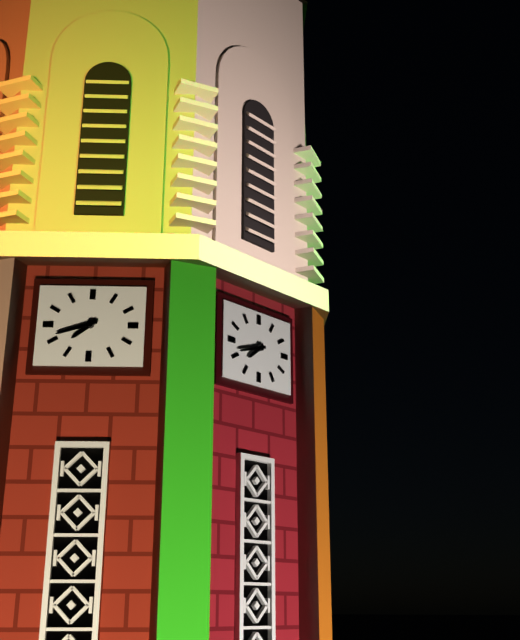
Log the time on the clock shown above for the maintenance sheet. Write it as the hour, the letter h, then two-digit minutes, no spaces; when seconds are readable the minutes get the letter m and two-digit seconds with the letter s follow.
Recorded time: 7h42
